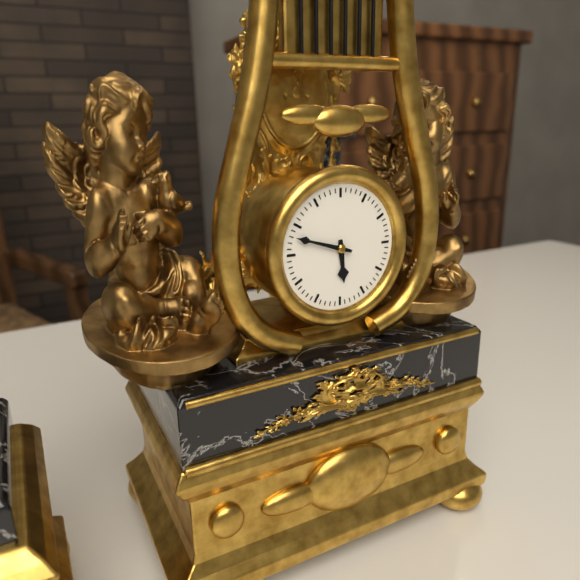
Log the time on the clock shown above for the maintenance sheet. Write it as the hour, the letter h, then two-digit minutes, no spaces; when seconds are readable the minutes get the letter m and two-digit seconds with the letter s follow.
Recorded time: 5h48
